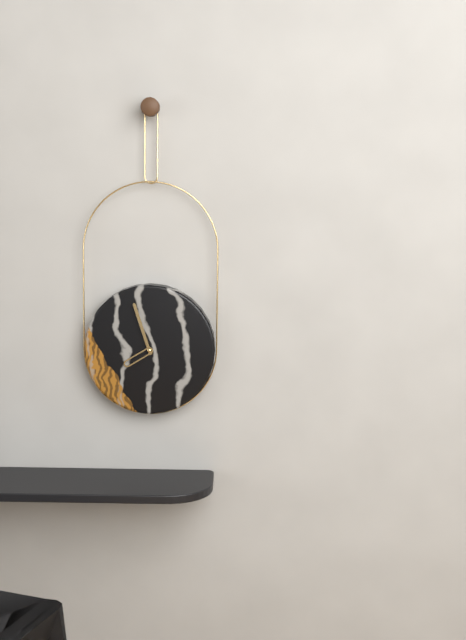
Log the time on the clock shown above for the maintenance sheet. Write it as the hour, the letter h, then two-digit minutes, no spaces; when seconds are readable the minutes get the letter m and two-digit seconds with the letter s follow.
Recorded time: 7h57
